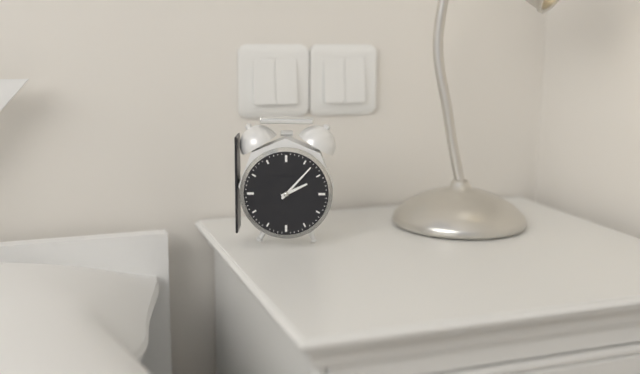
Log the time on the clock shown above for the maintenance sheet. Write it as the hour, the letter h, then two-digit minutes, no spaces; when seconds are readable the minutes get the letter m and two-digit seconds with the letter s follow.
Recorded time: 2h07
